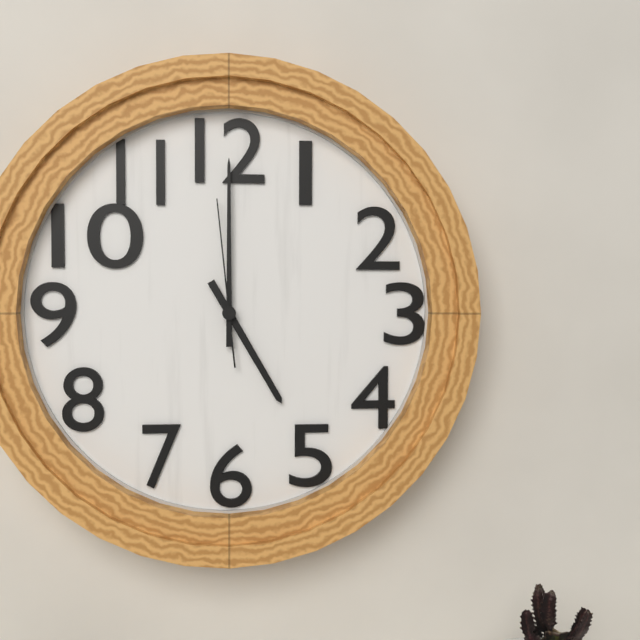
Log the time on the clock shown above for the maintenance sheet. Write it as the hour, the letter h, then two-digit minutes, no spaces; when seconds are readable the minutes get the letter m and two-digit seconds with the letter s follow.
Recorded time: 5h00m59s
